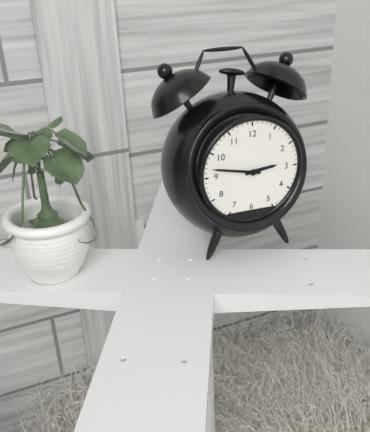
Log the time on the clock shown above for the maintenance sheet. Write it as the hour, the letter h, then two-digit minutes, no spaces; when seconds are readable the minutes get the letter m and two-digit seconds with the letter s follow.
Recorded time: 2h47
